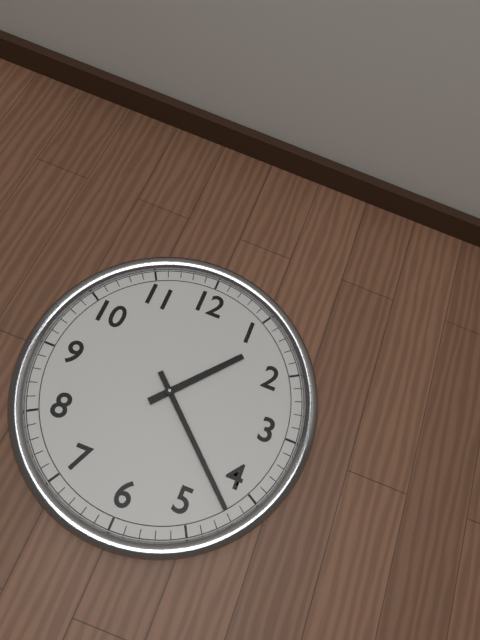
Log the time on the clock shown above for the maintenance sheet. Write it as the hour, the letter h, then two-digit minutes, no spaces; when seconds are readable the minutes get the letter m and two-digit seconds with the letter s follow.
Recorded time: 1h22
